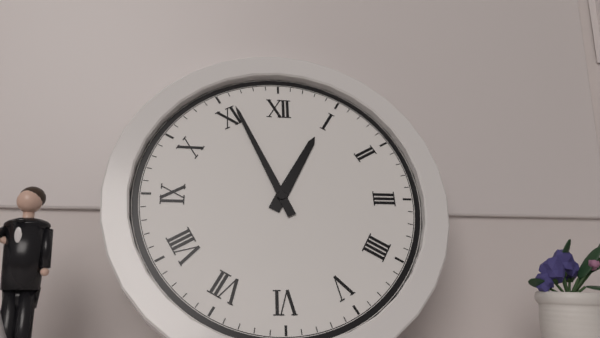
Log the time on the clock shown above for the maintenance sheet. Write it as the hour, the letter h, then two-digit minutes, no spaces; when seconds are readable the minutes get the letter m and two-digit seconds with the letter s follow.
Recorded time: 12h56
